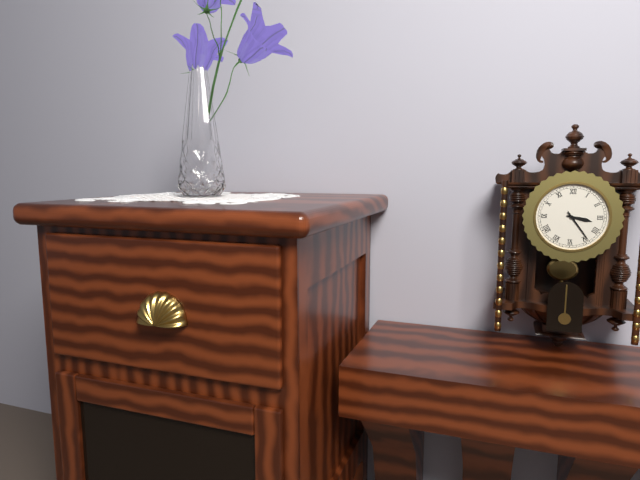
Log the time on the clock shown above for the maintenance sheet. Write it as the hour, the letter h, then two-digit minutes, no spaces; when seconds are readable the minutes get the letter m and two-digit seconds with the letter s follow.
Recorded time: 3h24
